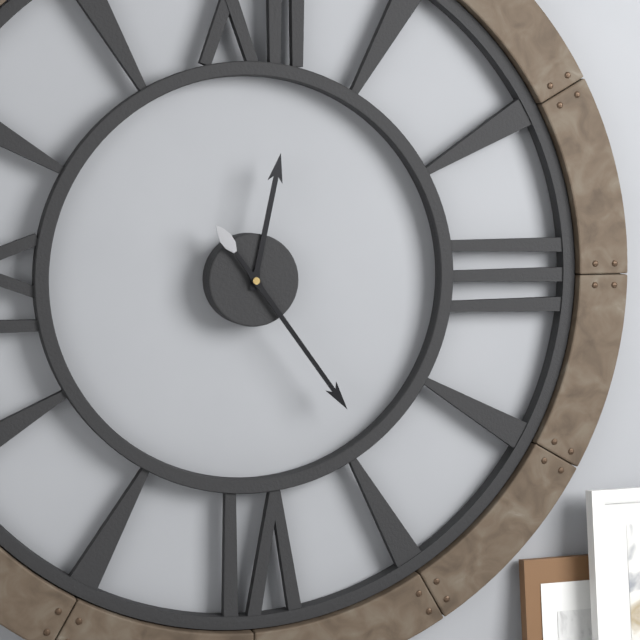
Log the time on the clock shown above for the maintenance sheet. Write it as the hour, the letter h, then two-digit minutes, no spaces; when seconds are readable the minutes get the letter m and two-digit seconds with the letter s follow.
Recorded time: 12h24
